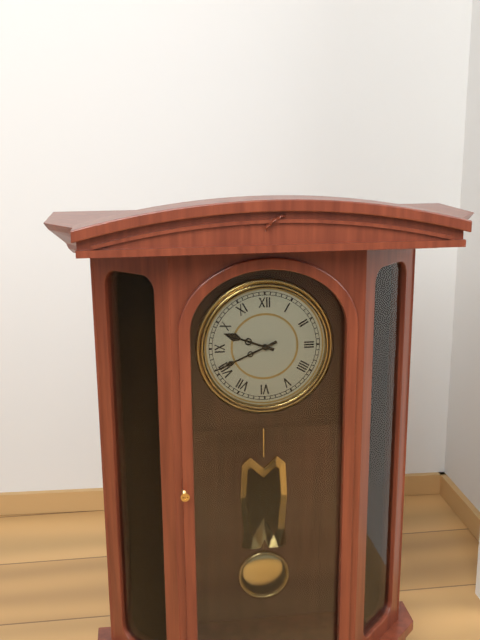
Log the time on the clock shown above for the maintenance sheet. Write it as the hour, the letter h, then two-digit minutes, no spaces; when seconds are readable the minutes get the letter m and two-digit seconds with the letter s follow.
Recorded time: 9h41
